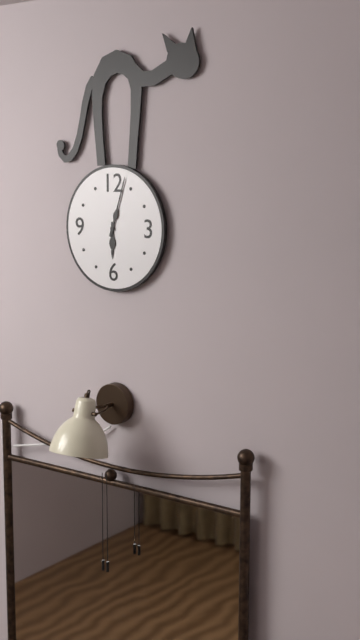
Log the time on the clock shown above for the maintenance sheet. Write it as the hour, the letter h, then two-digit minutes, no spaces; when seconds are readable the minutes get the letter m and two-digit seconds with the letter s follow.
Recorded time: 6h03
